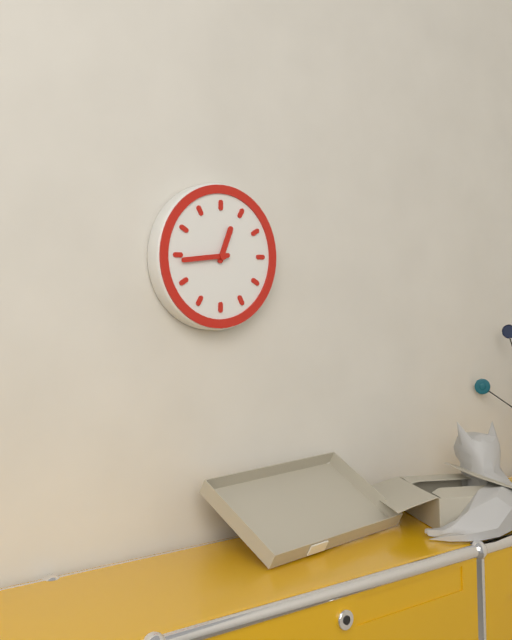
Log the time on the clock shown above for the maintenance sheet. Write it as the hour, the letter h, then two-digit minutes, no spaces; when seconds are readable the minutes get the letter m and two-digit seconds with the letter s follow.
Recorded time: 12h44
